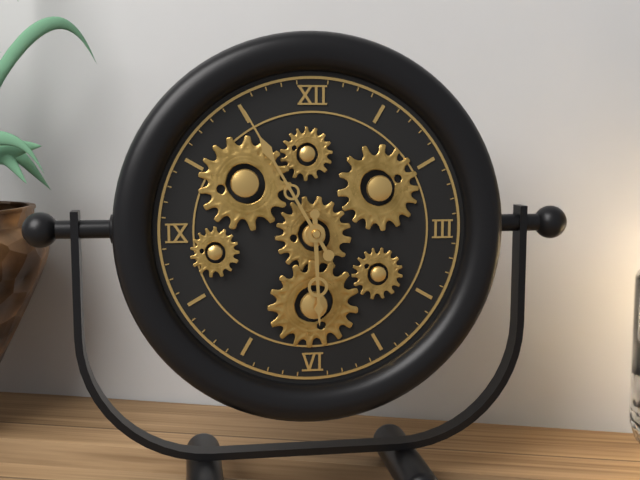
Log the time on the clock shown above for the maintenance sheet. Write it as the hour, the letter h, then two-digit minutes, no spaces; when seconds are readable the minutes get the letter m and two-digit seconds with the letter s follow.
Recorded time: 5h55
